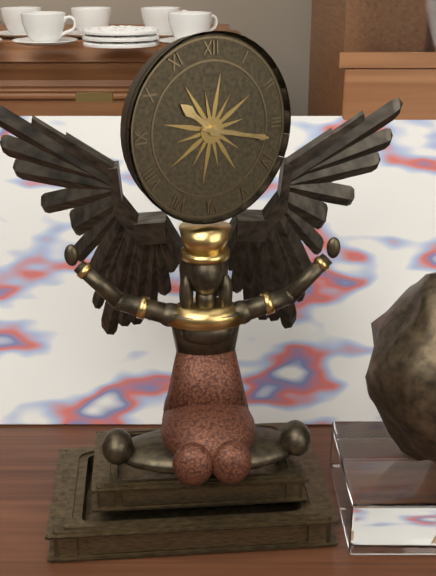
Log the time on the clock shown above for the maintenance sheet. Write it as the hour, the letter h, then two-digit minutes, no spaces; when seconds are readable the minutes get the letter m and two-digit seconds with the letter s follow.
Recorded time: 10h17
